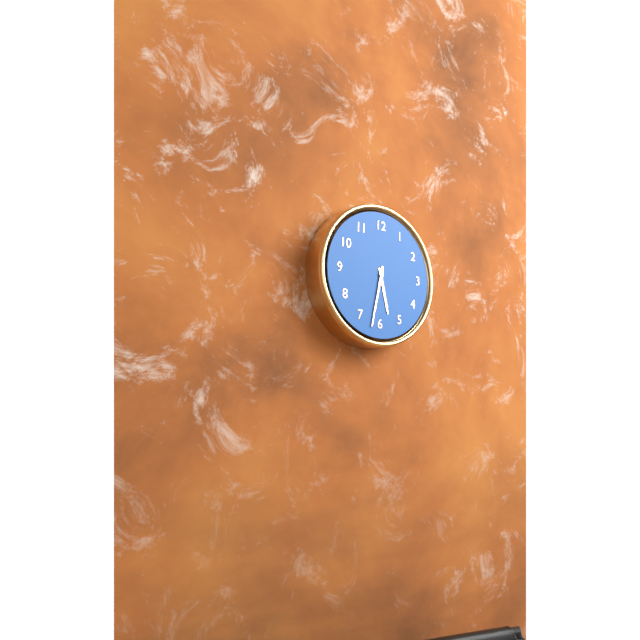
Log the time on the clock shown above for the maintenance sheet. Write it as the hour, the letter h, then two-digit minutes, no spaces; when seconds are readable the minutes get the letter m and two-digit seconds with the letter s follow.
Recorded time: 5h32
